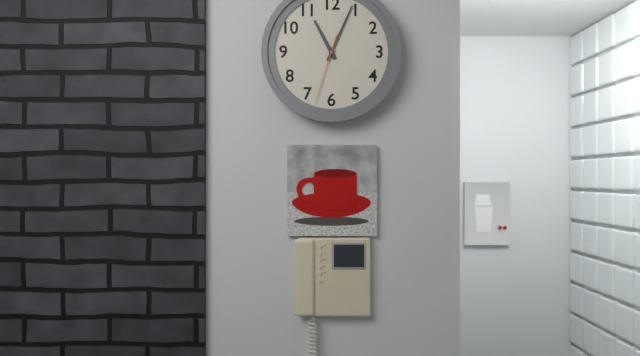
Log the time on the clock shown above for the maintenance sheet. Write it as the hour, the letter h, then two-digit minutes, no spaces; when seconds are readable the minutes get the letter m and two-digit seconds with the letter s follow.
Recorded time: 11h04m33s
